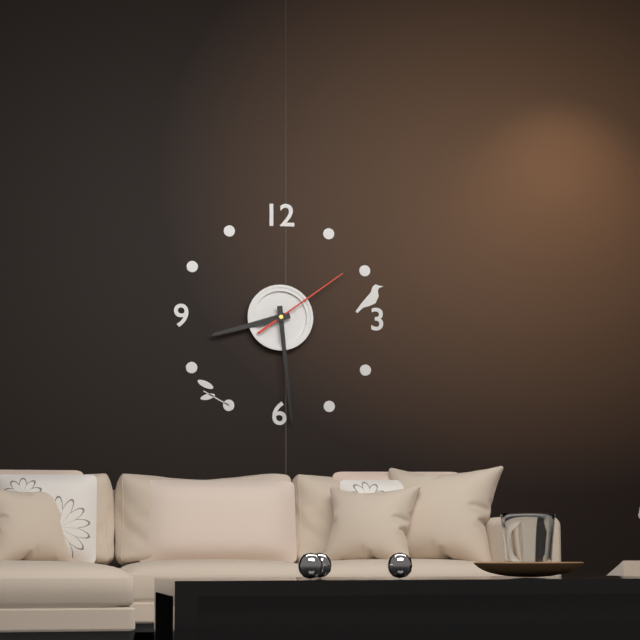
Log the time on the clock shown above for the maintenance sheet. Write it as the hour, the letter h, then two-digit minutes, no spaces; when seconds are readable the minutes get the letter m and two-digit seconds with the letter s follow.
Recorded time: 8h29m09s
